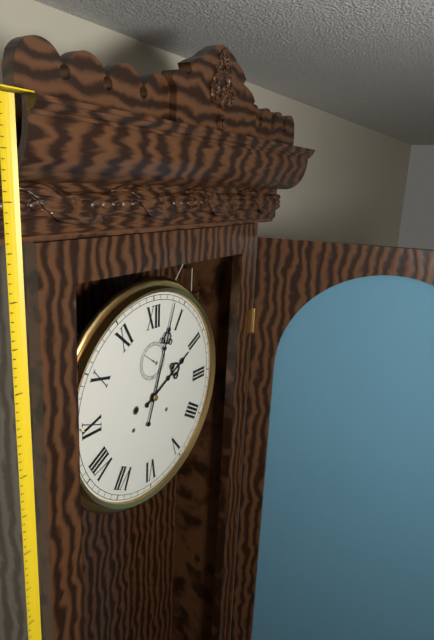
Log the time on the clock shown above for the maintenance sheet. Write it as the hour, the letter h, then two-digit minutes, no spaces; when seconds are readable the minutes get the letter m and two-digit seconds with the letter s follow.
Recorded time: 2h03
